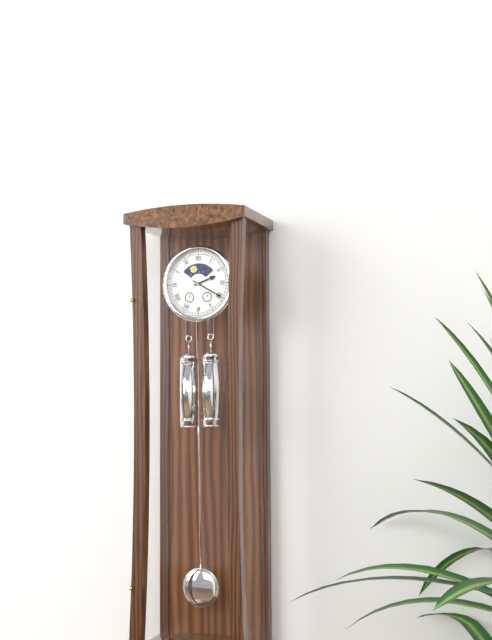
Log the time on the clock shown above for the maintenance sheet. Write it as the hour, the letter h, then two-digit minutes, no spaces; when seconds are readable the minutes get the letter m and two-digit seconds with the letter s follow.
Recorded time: 2h20
